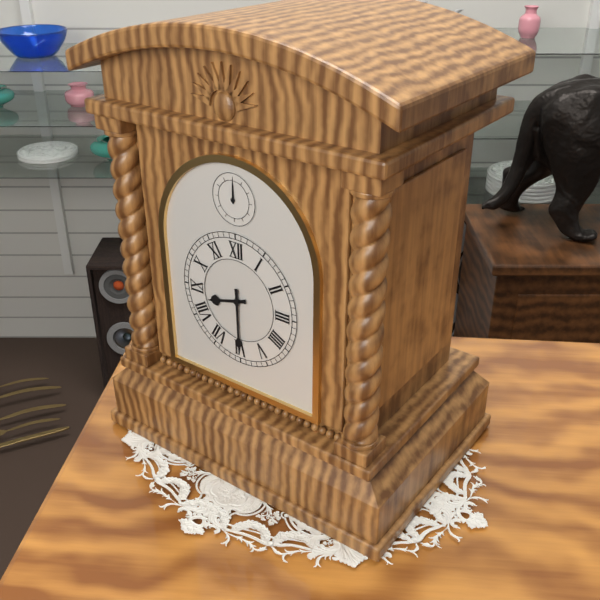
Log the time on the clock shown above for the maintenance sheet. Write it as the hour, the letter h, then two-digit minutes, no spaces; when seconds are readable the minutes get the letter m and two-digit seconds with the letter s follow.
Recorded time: 8h30
